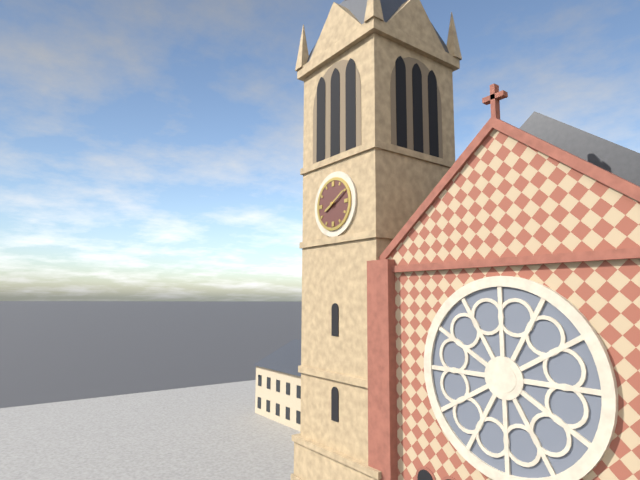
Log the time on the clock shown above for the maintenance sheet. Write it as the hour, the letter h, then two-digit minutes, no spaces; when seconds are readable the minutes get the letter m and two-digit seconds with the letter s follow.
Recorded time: 8h10
